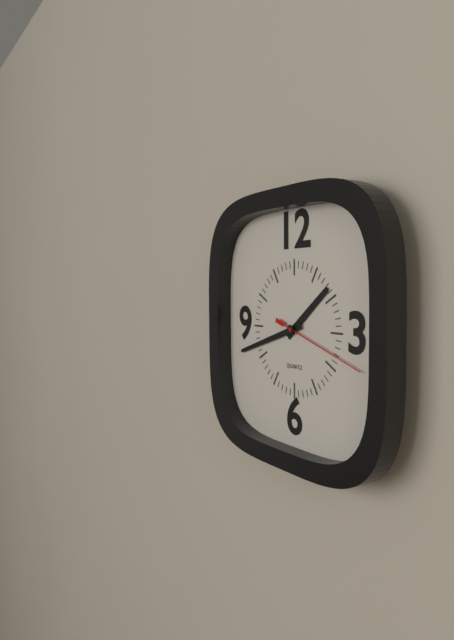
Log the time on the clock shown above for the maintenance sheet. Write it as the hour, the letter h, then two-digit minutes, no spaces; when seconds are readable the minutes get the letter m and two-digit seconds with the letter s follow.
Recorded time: 1h42m18s
